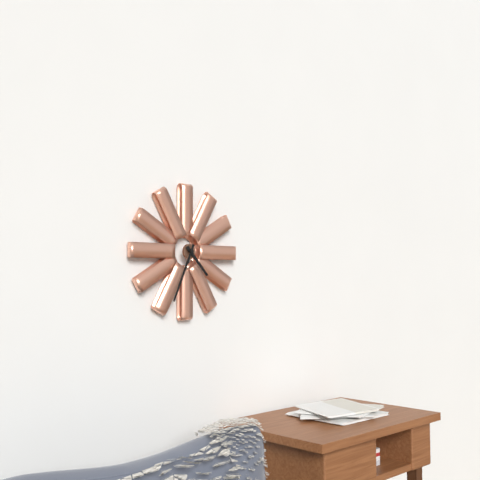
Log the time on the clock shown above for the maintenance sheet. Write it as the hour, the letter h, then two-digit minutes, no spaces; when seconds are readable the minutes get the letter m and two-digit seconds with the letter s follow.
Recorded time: 4h34
